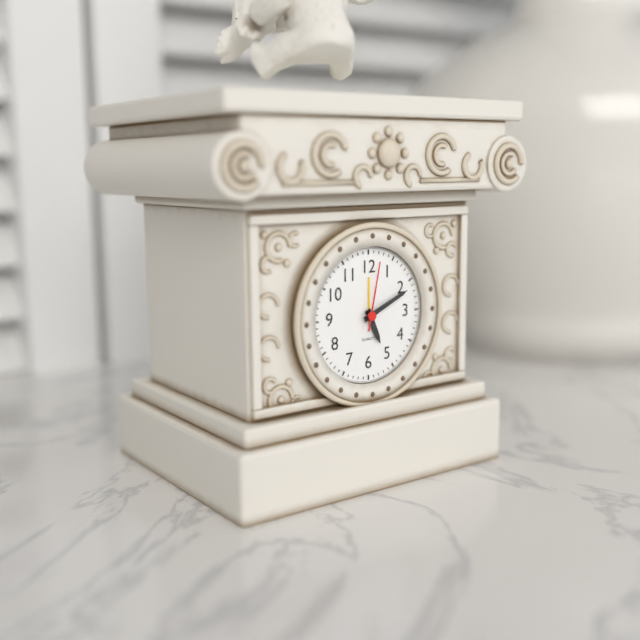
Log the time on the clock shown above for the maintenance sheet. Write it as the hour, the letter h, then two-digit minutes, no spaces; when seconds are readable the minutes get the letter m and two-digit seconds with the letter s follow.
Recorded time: 5h11m02s
